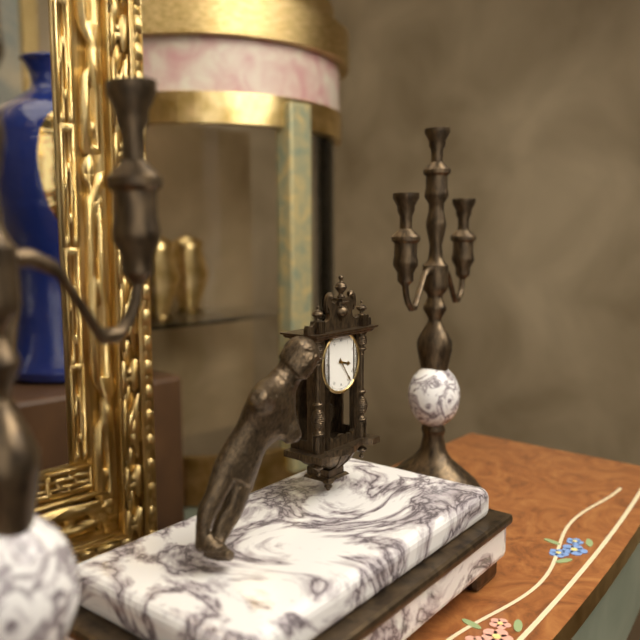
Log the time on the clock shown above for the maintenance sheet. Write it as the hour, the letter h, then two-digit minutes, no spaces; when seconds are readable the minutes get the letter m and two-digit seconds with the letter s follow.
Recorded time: 3h24
